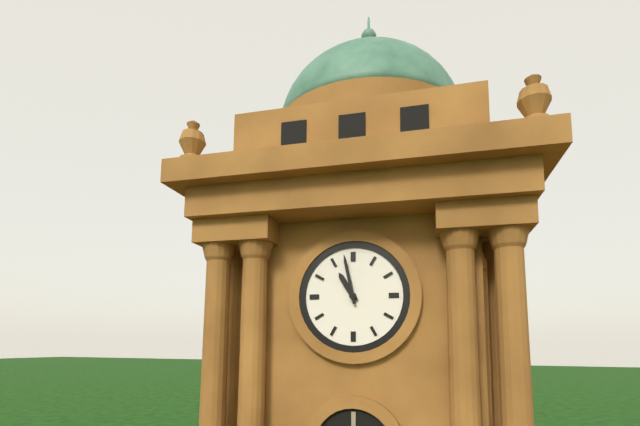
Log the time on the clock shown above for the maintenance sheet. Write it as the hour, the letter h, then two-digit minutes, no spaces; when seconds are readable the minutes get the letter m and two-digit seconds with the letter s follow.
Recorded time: 10h58
